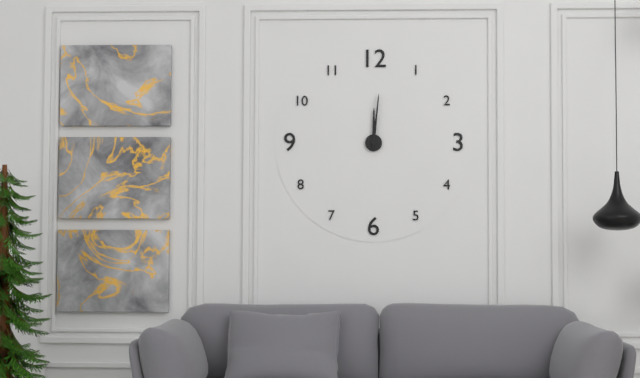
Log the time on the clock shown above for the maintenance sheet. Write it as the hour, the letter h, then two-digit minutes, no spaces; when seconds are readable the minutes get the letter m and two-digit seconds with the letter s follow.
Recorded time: 12h01
